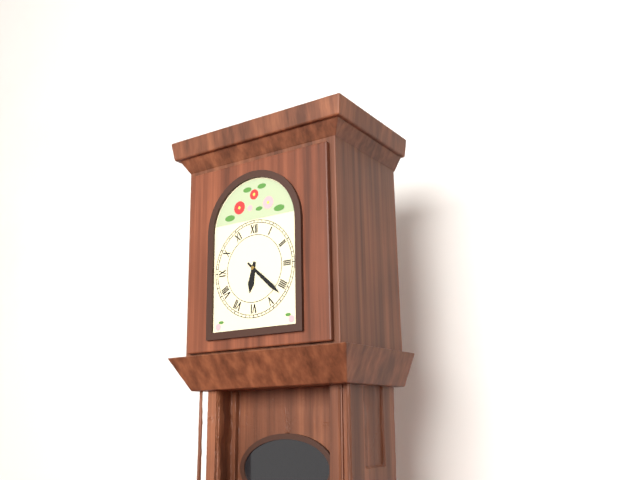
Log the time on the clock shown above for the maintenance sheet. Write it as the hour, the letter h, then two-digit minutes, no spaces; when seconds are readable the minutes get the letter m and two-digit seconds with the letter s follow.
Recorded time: 6h22
